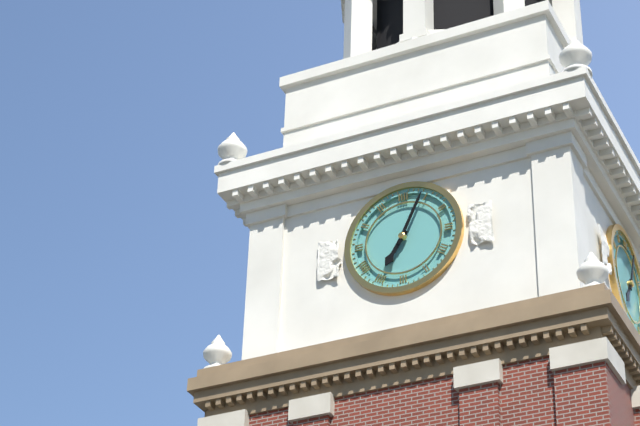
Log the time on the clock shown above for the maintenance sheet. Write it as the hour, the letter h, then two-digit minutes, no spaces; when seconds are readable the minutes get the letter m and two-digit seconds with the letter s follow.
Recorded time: 7h04
